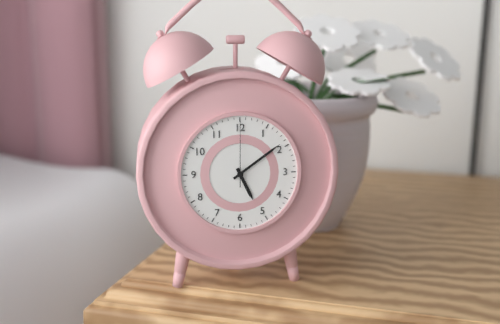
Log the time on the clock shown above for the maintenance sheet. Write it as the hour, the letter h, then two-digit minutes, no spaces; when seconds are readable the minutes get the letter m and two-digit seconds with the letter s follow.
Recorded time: 5h09m00s
